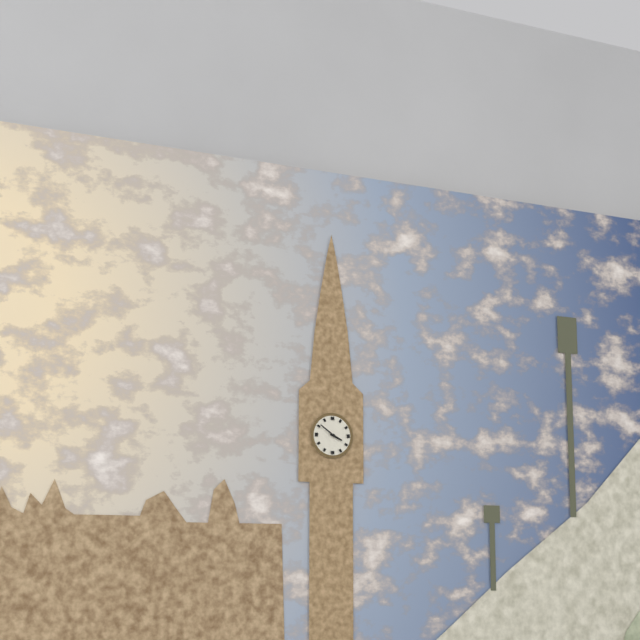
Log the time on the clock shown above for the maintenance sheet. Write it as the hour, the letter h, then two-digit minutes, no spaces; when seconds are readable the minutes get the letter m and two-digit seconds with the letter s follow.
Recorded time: 3h51
